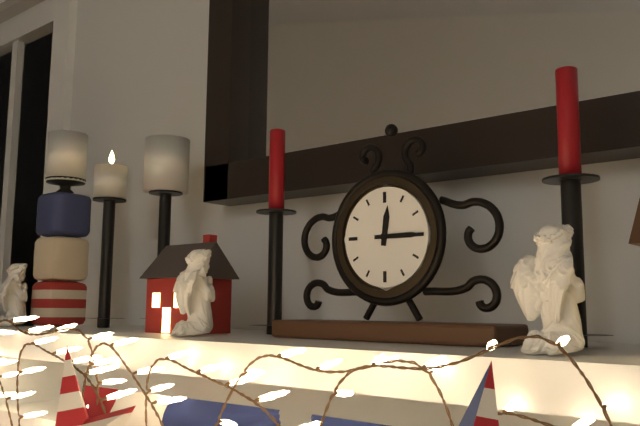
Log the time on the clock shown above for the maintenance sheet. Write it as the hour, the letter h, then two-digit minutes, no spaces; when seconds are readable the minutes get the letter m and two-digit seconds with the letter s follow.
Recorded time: 12h15
